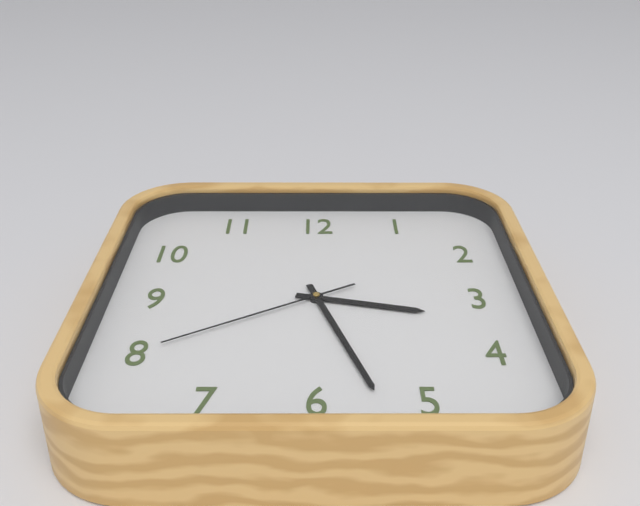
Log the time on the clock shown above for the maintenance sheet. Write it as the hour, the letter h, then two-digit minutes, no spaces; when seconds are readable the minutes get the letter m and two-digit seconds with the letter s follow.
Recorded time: 3h27m40s
